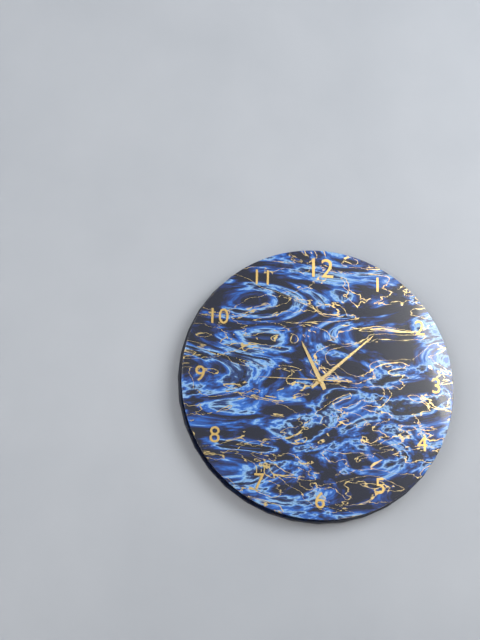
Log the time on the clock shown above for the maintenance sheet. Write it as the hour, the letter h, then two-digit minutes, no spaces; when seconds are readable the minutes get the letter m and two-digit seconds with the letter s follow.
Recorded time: 11h08m45s
